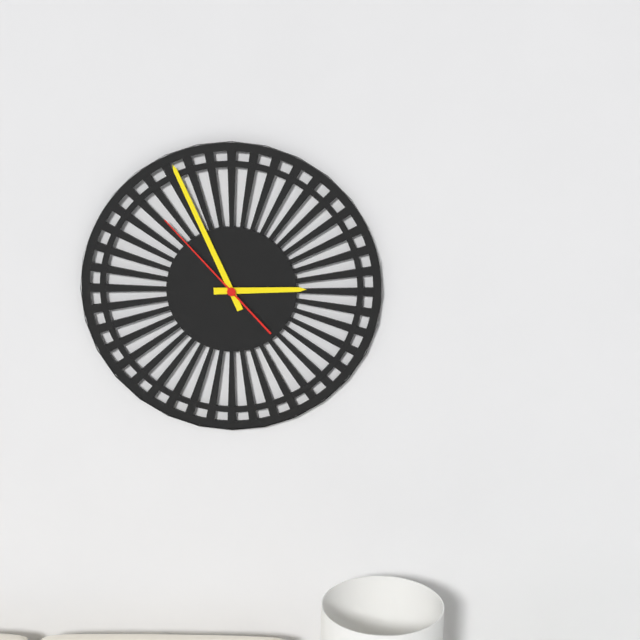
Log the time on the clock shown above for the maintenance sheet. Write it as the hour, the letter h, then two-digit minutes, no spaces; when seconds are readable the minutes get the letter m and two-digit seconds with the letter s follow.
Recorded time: 2h56m53s
